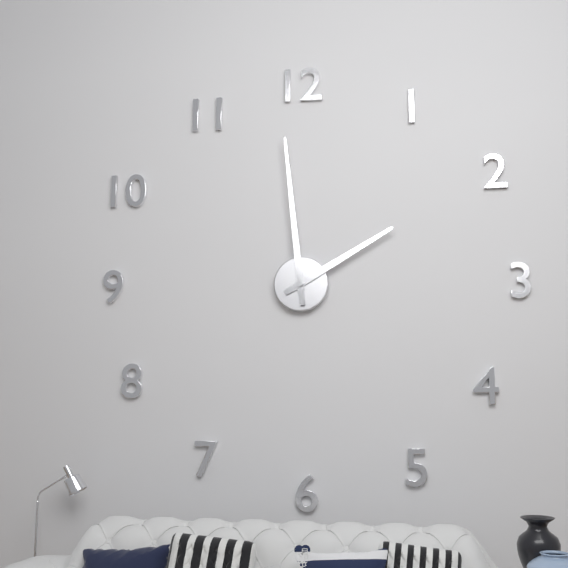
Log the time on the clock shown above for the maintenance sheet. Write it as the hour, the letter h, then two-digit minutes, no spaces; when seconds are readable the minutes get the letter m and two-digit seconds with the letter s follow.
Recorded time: 1h59
